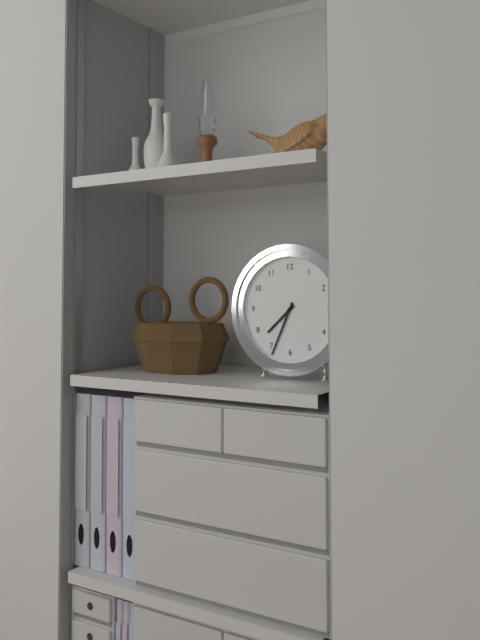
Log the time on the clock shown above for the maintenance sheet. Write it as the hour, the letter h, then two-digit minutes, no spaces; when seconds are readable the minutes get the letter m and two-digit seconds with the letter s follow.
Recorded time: 7h34
